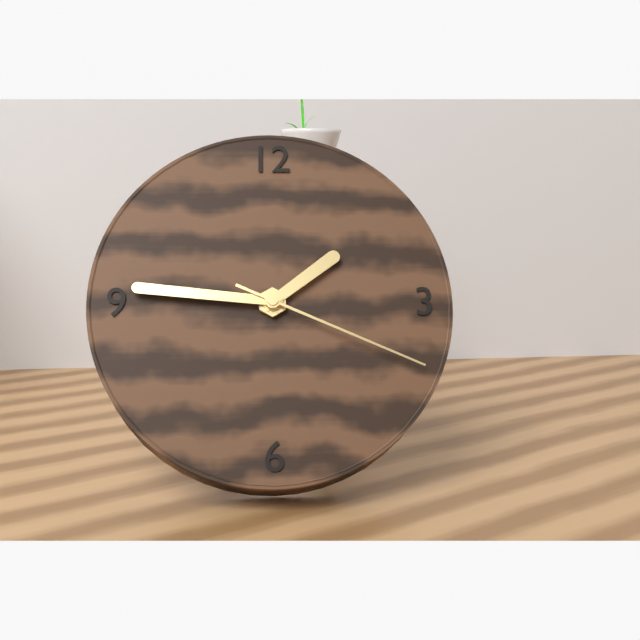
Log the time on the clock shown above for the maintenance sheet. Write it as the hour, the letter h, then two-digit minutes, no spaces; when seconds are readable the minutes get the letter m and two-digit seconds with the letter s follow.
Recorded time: 1h46m19s
